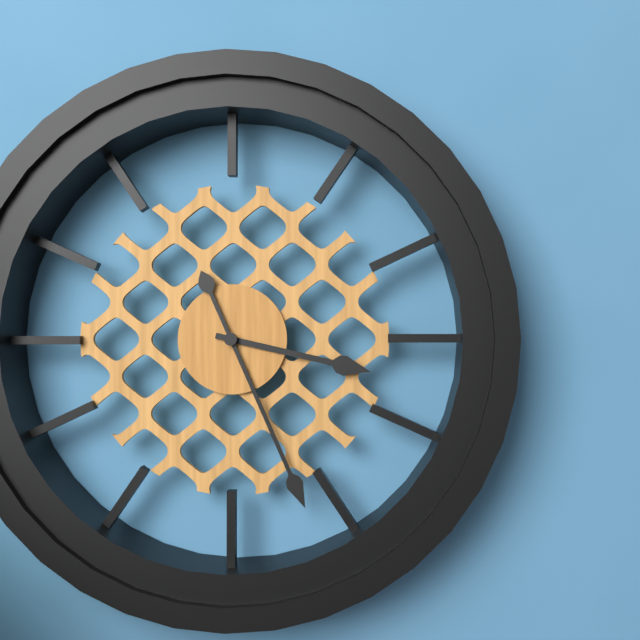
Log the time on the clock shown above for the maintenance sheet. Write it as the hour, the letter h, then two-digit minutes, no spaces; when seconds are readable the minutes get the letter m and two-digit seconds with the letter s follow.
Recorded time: 3h26
